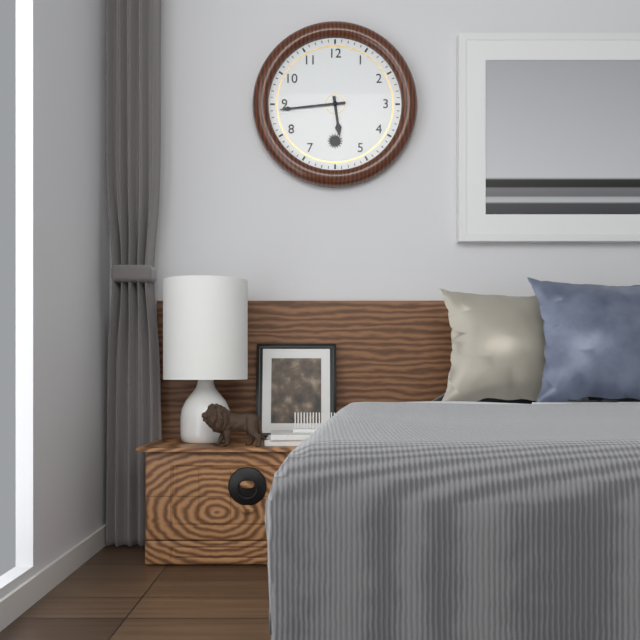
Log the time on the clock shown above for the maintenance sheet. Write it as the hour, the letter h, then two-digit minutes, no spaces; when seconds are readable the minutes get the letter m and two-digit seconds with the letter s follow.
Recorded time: 5h44
